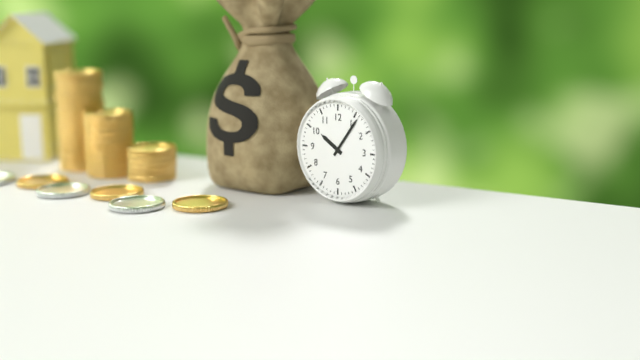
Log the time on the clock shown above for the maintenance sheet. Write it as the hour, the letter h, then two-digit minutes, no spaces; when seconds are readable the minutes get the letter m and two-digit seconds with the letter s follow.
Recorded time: 10h06
